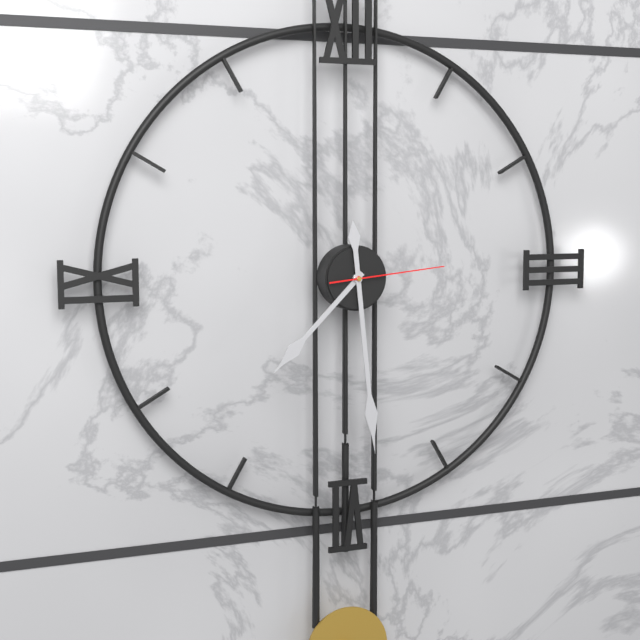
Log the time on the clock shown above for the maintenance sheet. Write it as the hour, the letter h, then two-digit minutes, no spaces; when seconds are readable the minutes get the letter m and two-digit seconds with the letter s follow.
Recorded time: 7h29m14s
